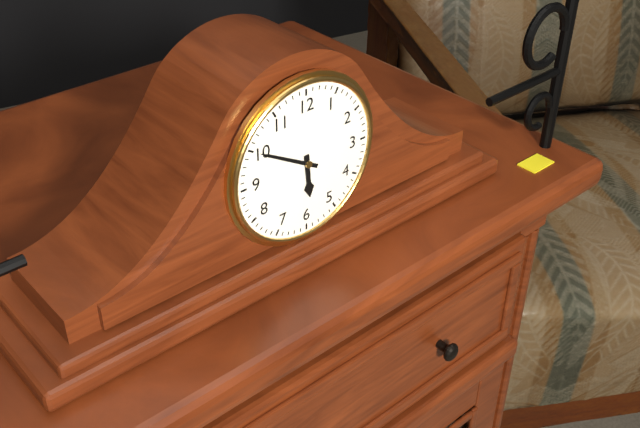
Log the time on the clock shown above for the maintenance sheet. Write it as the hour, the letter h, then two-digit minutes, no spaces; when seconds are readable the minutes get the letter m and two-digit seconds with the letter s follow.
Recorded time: 5h50
